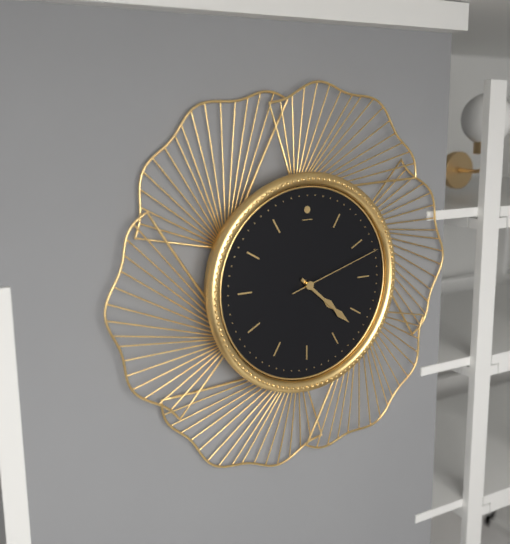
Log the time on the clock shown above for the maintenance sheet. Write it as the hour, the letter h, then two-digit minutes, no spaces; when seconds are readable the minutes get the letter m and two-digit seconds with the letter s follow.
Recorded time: 4h22m12s
